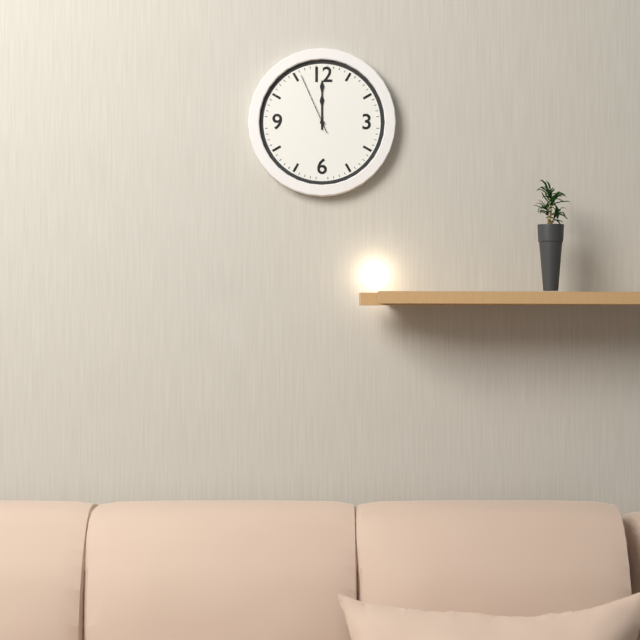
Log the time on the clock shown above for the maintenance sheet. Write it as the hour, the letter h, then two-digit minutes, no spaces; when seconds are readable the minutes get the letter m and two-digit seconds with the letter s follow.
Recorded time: 12h00m56s
